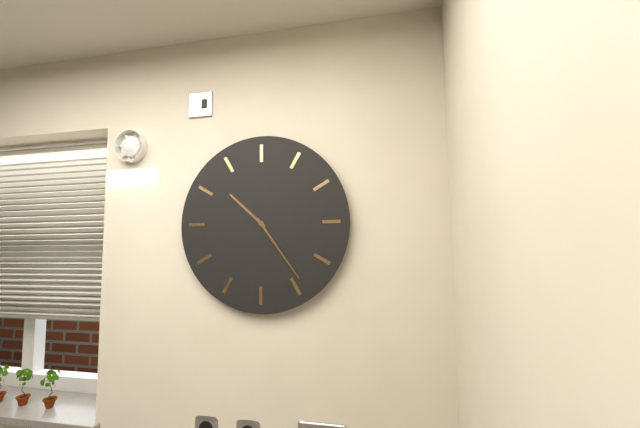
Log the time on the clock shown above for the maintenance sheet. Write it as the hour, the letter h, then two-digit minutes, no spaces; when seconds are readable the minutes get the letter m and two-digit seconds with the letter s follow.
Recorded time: 10h24
